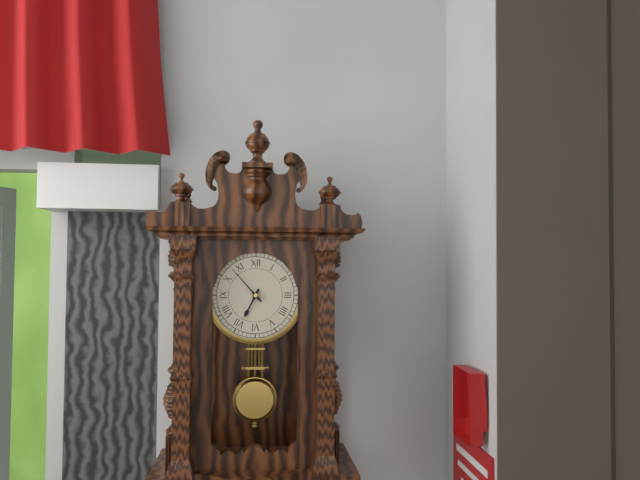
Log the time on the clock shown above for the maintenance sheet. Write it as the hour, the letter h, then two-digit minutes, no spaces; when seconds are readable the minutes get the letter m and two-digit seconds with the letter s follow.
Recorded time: 6h53
